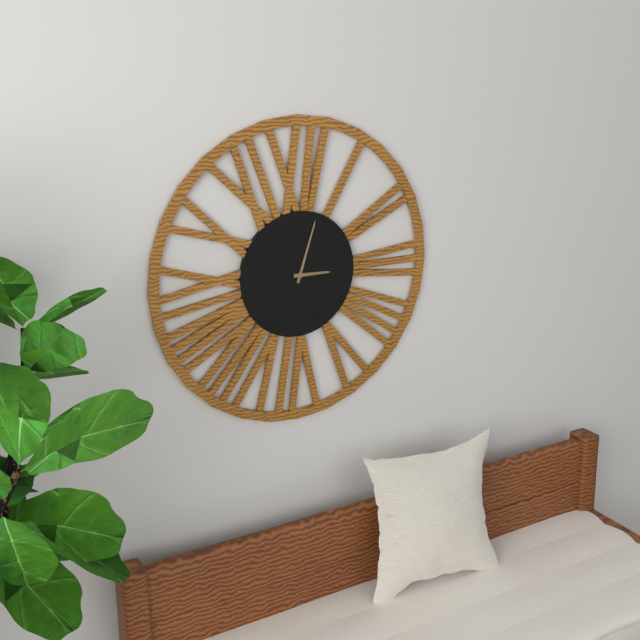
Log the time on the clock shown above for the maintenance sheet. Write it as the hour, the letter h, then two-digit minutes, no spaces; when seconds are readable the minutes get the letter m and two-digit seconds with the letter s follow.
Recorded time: 3h03
